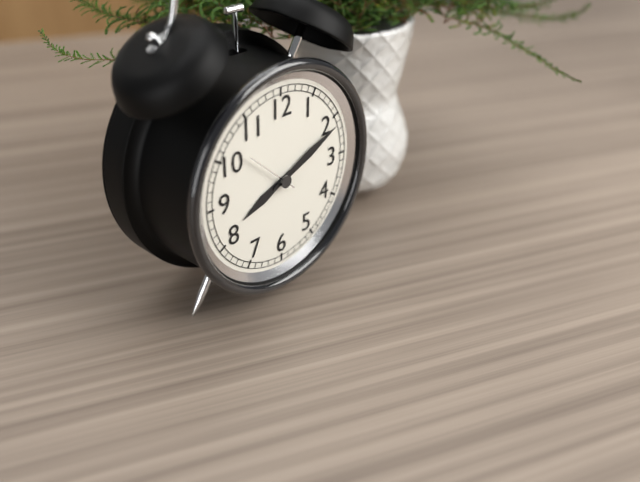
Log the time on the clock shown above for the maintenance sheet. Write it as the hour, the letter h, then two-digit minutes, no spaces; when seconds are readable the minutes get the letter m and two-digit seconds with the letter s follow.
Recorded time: 8h11
